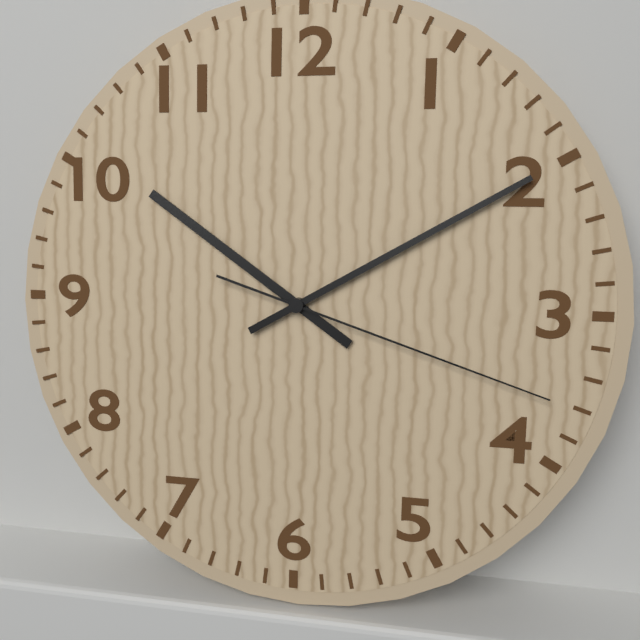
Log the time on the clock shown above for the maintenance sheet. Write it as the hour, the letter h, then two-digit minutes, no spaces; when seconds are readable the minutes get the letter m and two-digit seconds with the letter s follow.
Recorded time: 10h10m18s
